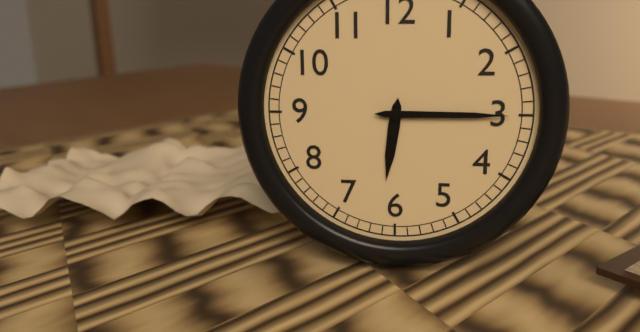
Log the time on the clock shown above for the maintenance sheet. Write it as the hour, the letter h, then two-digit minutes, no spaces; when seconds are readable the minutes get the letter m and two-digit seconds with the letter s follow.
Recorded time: 6h15
